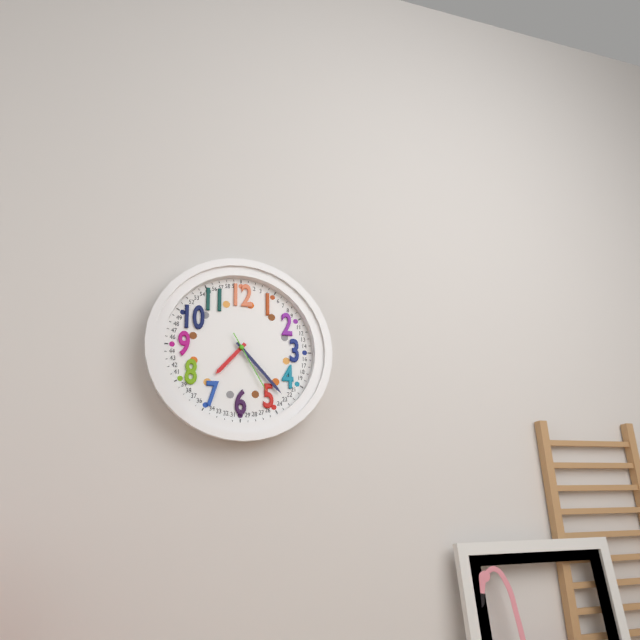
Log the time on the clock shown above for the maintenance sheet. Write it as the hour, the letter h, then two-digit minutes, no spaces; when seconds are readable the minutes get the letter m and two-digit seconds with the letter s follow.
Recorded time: 7h23m25s
